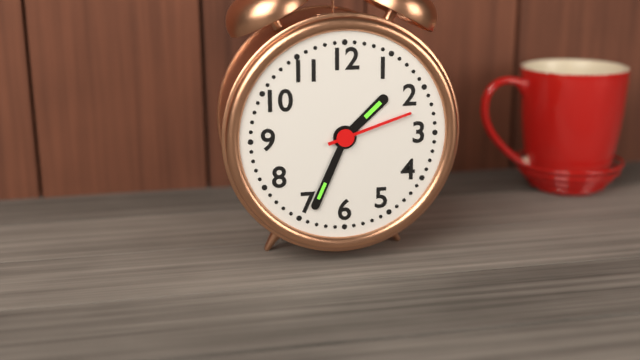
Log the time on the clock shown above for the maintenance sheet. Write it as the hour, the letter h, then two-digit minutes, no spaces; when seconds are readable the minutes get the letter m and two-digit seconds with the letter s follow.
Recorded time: 1h34m12s
